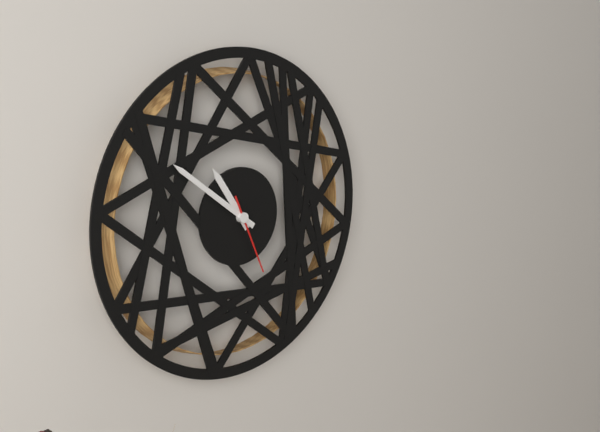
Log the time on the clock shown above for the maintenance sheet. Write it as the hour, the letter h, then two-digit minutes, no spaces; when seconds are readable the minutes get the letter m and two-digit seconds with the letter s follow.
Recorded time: 10h51m26s
